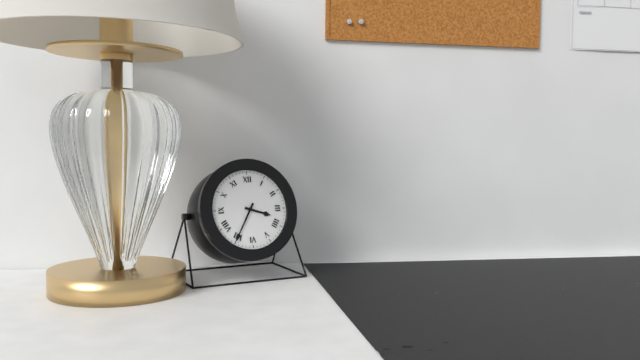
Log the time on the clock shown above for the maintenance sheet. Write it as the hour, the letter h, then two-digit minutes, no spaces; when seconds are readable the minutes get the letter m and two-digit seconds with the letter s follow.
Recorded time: 3h35
